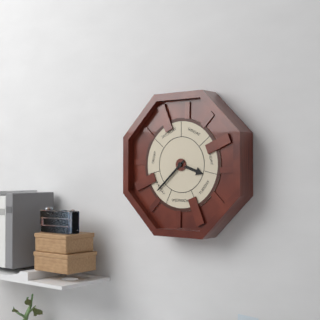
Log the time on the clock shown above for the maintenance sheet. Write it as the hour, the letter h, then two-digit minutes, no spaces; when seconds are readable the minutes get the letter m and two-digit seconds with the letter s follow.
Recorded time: 3h38
